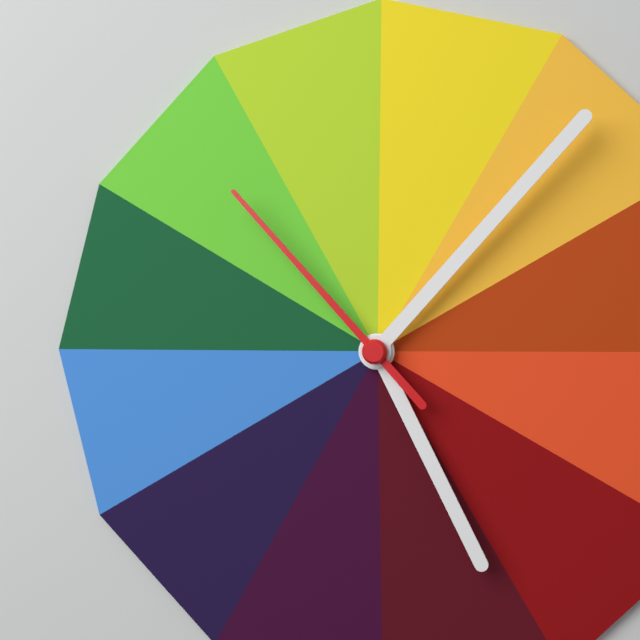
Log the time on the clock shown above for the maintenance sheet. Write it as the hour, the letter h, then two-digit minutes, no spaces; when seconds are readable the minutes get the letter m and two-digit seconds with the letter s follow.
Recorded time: 5h07m53s
